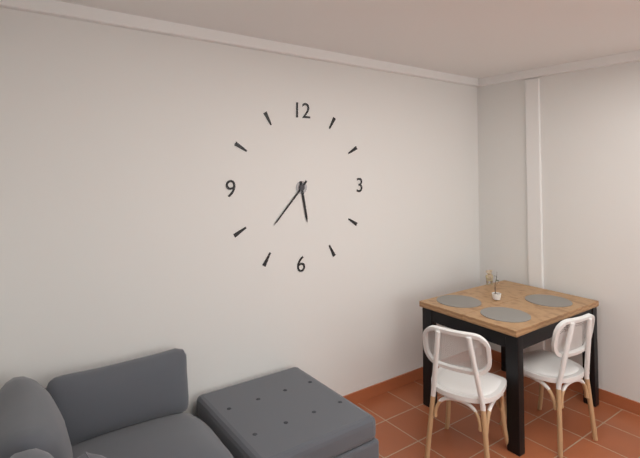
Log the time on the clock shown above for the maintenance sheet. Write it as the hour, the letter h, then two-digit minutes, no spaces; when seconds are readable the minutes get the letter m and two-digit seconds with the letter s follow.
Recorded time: 5h37
